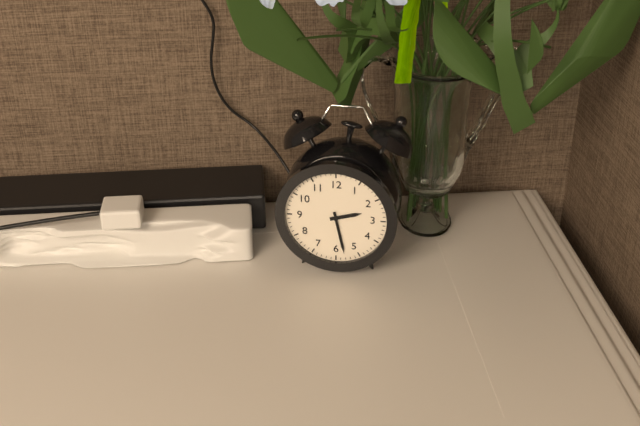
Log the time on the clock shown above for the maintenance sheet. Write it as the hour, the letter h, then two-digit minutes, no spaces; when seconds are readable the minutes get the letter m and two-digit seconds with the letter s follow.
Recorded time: 2h28
